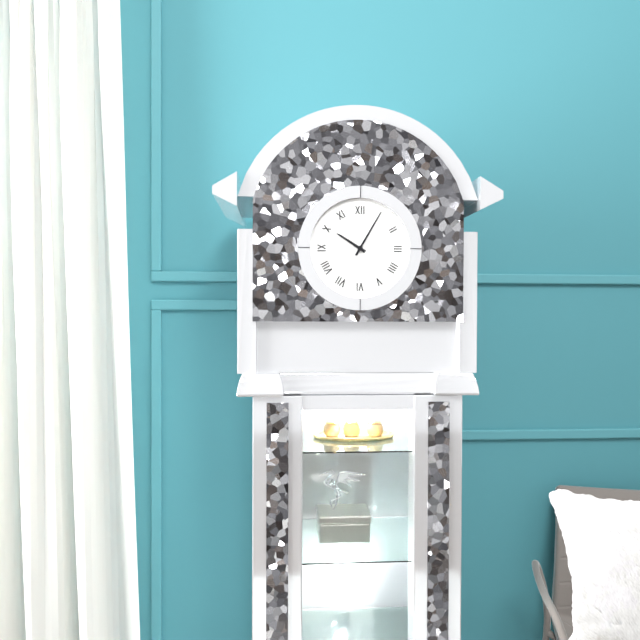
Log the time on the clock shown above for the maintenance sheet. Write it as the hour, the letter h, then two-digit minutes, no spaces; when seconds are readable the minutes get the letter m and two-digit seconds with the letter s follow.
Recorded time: 10h05
